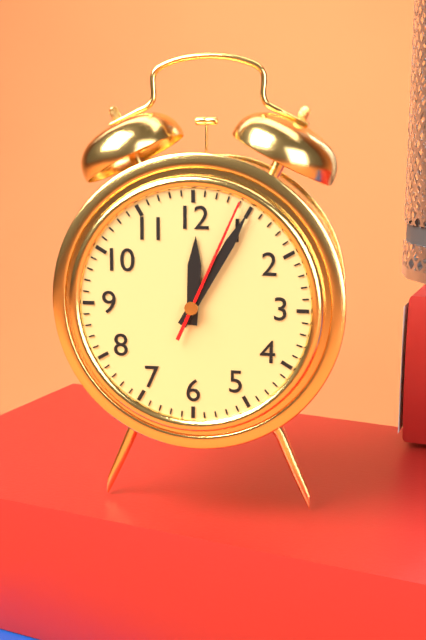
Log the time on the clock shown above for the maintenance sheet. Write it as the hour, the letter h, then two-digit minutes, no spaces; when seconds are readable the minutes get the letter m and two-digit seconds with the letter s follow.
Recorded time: 12h05m04s
